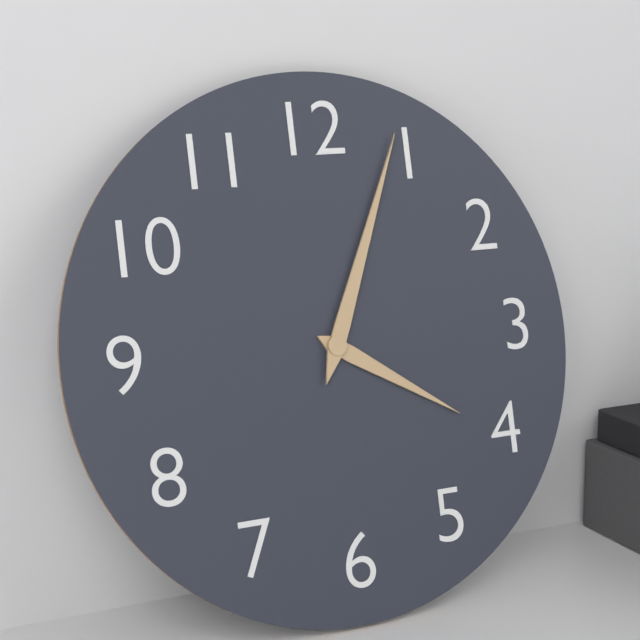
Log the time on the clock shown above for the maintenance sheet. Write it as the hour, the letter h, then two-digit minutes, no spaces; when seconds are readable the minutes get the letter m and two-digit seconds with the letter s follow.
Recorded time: 4h04
